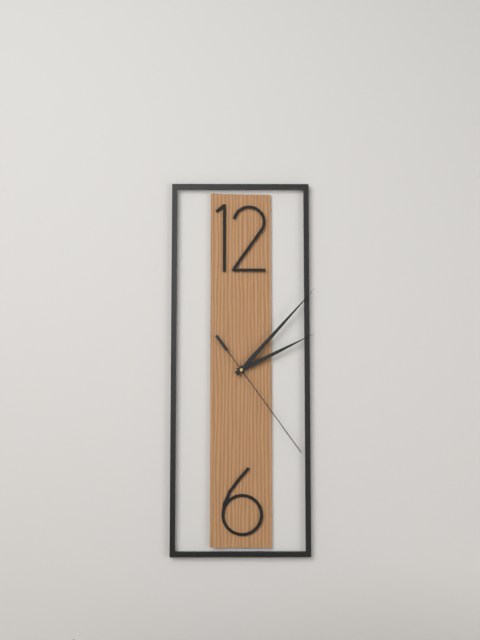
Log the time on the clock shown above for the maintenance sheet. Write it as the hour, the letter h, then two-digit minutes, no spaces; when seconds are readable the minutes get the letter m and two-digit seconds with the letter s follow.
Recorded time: 2h07m24s
